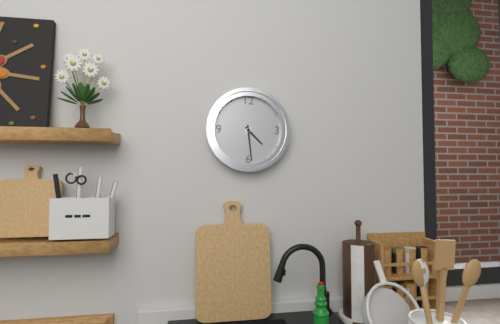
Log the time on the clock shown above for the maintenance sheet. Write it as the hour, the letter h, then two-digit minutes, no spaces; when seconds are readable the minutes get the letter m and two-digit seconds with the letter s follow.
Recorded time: 4h29
